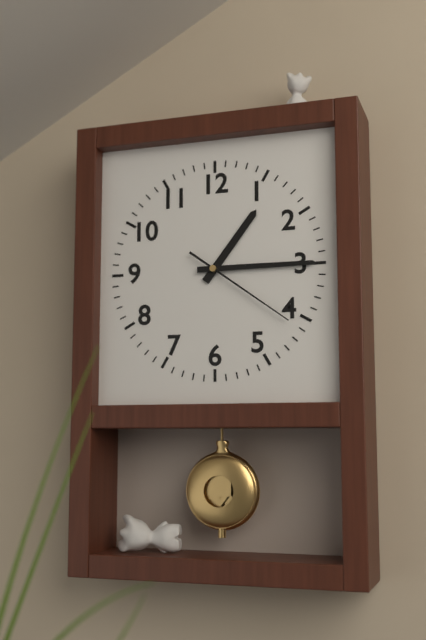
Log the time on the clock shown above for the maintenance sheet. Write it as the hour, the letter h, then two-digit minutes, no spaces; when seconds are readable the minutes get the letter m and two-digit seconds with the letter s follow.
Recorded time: 1h15m21s
